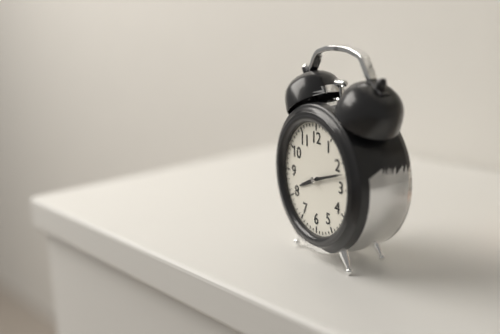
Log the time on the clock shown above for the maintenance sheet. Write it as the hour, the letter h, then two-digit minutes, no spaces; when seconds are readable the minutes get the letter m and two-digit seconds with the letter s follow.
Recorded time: 8h12
